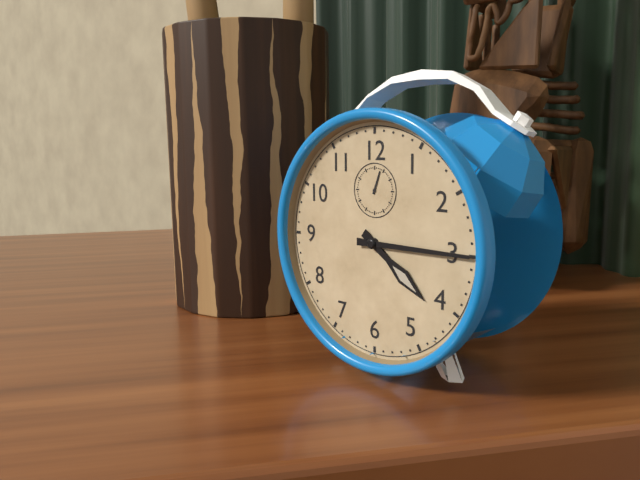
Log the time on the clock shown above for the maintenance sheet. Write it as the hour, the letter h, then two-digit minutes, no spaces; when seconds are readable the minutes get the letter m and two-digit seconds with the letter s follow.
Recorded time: 4h15
